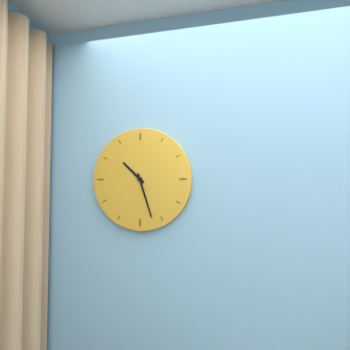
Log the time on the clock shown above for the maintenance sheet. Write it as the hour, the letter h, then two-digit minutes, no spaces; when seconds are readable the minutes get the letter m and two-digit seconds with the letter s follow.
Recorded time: 10h27
